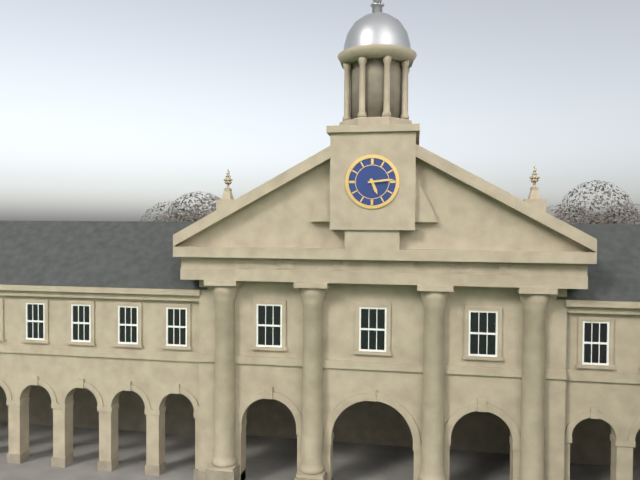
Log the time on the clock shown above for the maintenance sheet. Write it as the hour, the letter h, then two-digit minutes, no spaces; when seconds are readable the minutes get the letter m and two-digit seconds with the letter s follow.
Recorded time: 5h14
